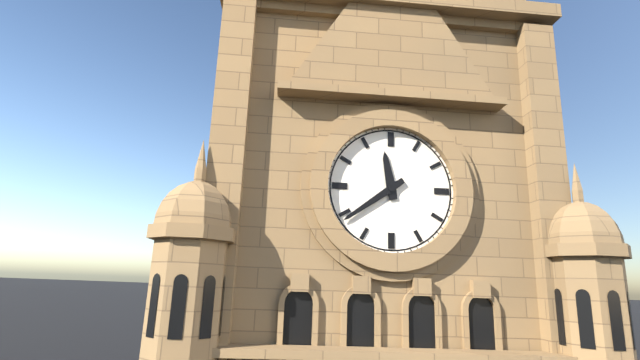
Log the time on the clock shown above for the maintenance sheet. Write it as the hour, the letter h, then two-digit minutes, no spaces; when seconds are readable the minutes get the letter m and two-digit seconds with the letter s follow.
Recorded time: 11h39
